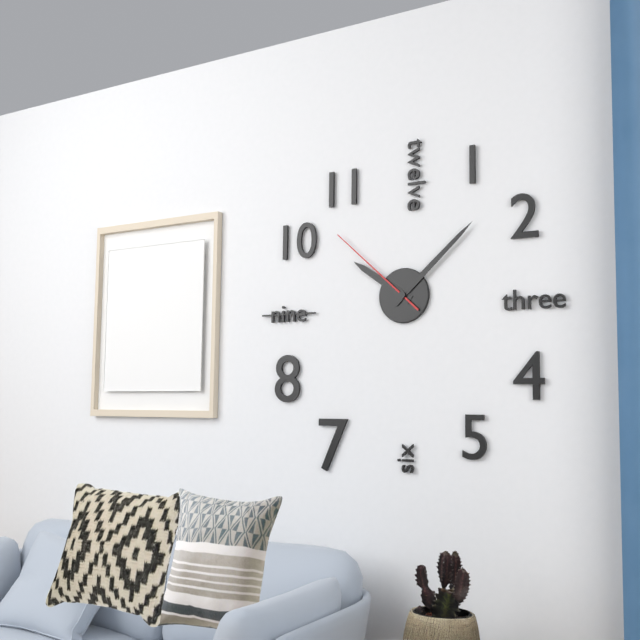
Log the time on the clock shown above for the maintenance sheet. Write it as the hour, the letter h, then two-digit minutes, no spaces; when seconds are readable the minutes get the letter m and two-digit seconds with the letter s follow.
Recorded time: 10h08m52s
